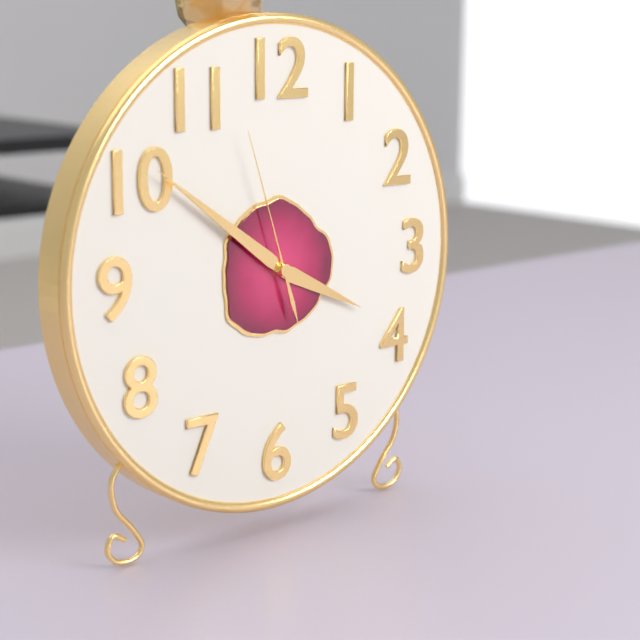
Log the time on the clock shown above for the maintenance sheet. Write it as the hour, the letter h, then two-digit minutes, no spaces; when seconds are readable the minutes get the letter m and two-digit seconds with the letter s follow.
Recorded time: 3h51m57s
